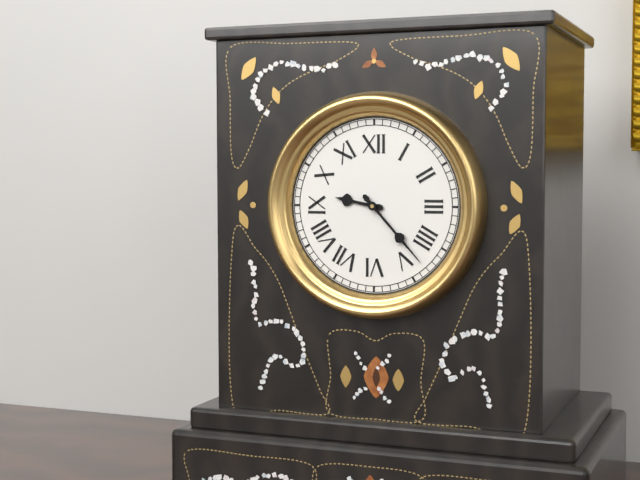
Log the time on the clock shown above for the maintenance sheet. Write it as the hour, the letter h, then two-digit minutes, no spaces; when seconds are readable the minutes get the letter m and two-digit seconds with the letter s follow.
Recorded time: 9h23
